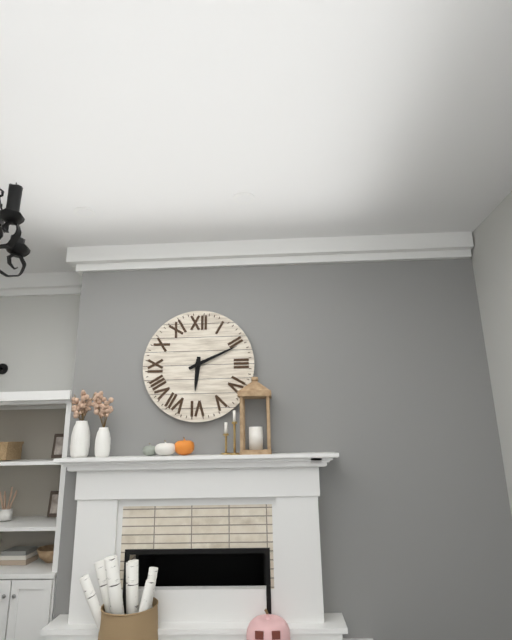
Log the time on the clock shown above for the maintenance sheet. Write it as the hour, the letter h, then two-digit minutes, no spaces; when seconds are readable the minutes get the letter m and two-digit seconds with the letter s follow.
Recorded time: 6h11
